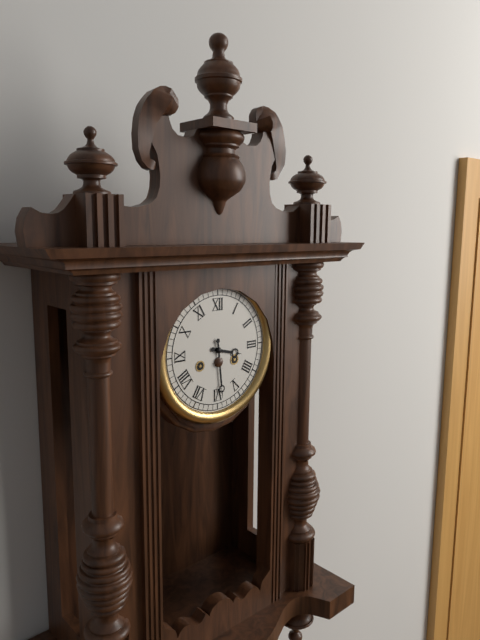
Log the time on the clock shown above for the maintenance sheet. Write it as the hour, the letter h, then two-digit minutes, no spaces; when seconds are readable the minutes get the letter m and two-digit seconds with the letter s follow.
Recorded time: 3h29
